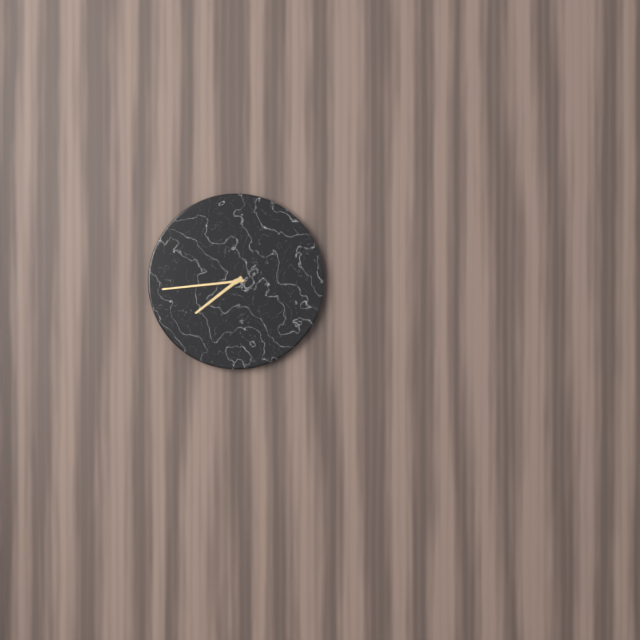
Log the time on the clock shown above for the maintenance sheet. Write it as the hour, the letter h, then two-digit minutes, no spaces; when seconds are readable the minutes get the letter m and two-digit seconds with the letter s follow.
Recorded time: 7h44
